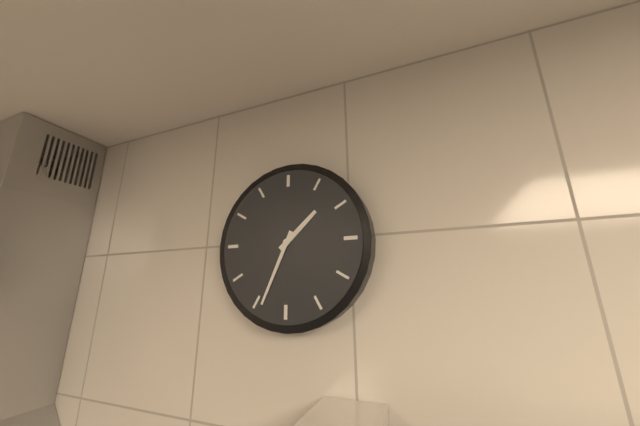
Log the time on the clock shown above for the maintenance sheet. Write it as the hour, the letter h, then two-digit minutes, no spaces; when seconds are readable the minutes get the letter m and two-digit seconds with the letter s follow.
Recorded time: 1h34
